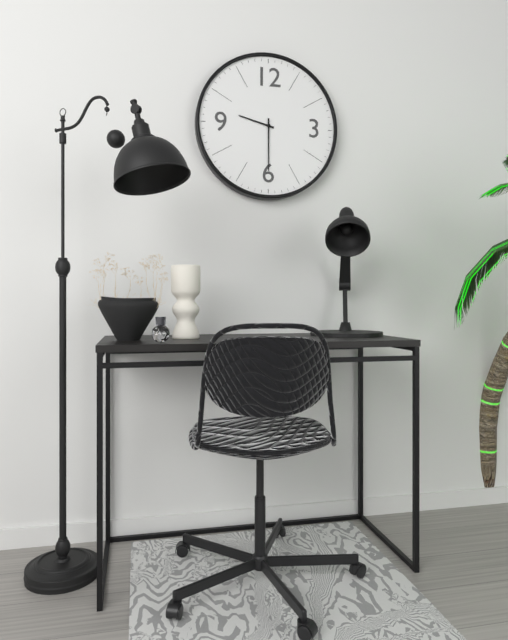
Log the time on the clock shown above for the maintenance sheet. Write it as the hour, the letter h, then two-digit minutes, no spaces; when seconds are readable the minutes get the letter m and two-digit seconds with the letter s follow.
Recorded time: 9h30
